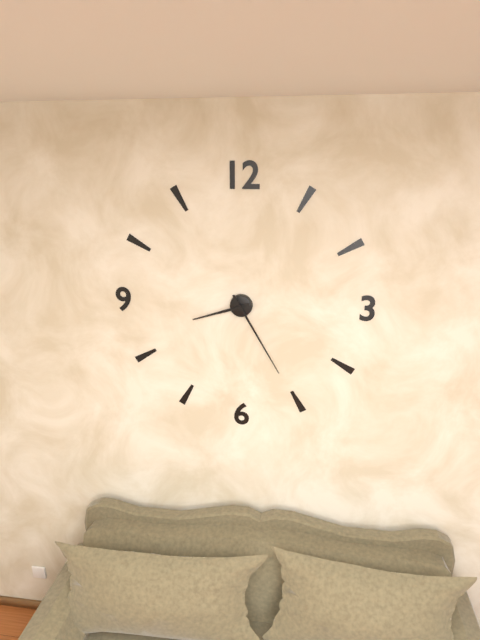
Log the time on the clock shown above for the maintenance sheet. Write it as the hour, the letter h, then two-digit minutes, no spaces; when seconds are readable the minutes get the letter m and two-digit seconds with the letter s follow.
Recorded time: 8h25
